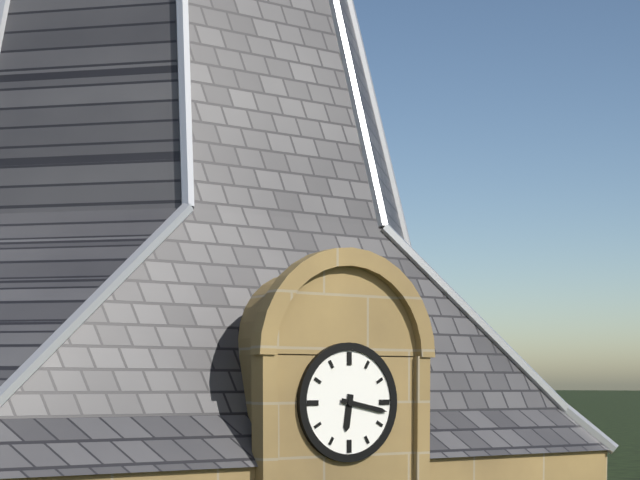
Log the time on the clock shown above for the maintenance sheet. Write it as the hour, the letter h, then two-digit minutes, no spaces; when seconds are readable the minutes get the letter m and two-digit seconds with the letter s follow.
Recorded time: 6h17
